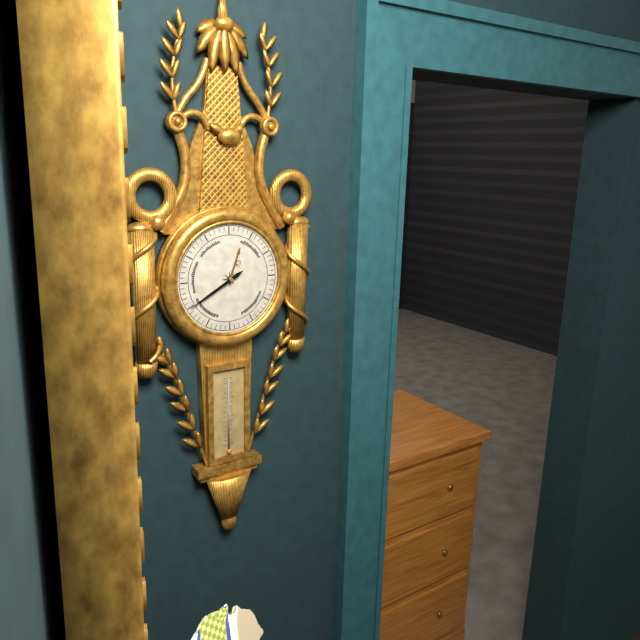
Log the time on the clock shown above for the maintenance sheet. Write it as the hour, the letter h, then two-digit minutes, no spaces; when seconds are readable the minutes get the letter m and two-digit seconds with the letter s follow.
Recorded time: 12h40
